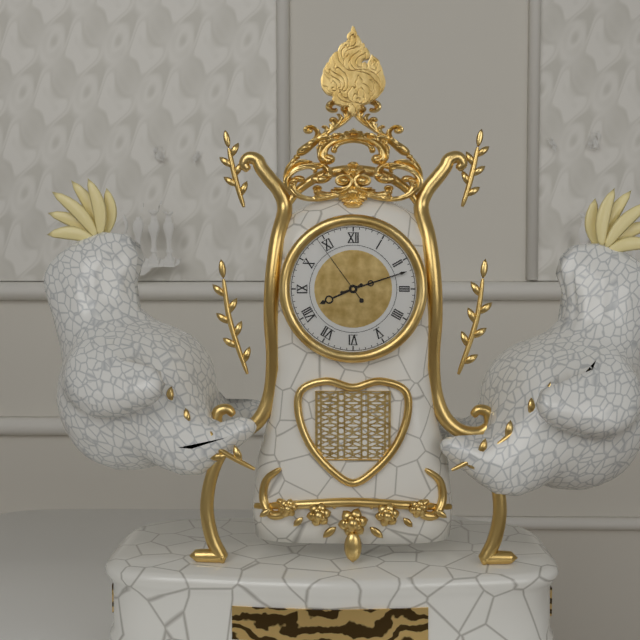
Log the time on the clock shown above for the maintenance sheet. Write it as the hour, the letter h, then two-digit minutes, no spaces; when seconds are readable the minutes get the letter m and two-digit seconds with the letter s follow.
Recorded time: 8h12m54s
